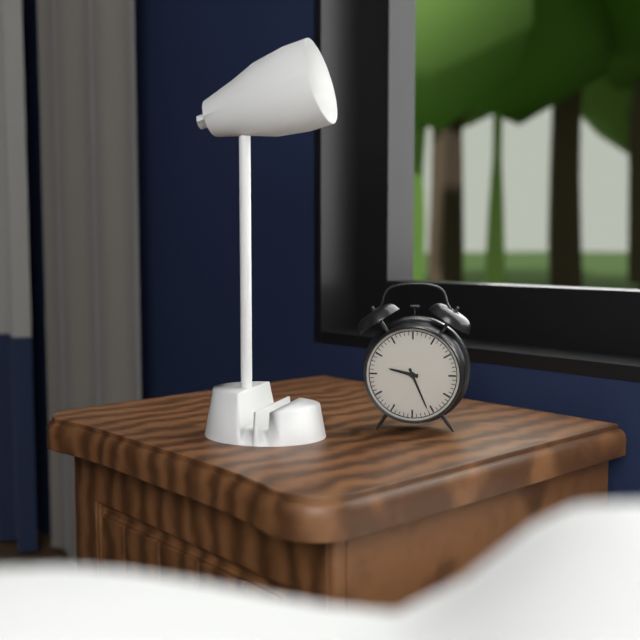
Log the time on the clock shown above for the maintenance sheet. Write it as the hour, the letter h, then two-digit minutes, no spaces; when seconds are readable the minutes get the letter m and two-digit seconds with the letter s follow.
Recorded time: 9h26
